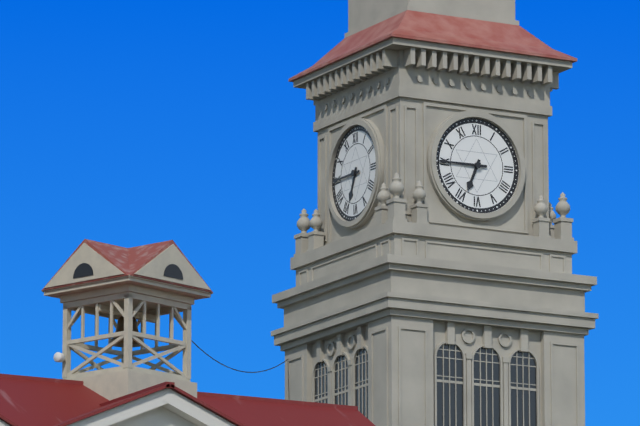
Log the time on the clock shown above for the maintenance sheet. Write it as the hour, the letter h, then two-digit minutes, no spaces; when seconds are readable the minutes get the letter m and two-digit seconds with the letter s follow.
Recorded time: 6h45
